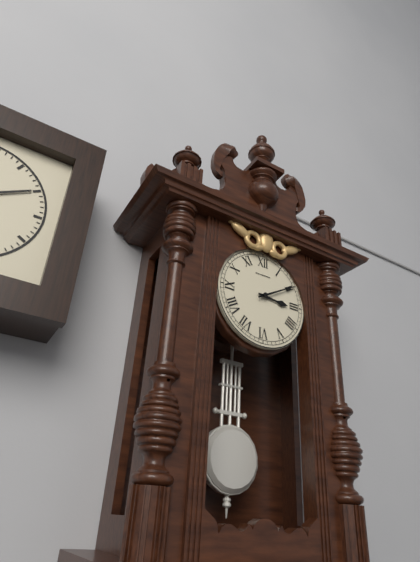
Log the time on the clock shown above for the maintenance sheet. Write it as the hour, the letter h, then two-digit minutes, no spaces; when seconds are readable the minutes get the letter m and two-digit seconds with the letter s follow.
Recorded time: 3h10
